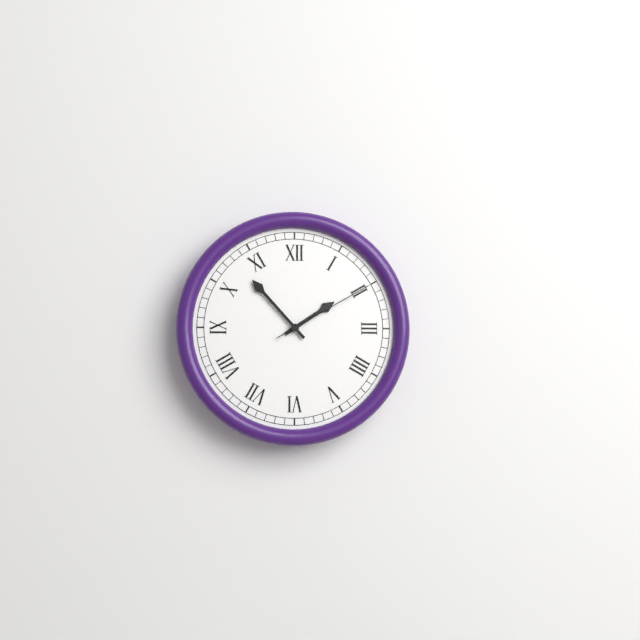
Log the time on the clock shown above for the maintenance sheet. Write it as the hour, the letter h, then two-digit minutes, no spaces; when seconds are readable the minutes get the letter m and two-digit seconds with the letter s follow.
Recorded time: 1h53m10s
